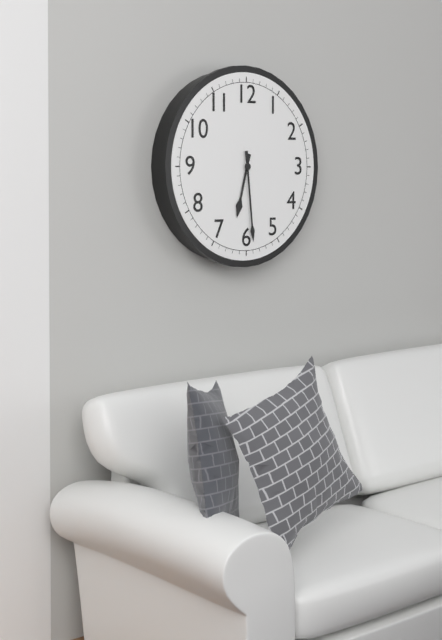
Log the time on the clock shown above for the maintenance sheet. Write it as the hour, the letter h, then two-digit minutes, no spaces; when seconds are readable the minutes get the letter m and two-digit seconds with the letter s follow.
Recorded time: 6h29
